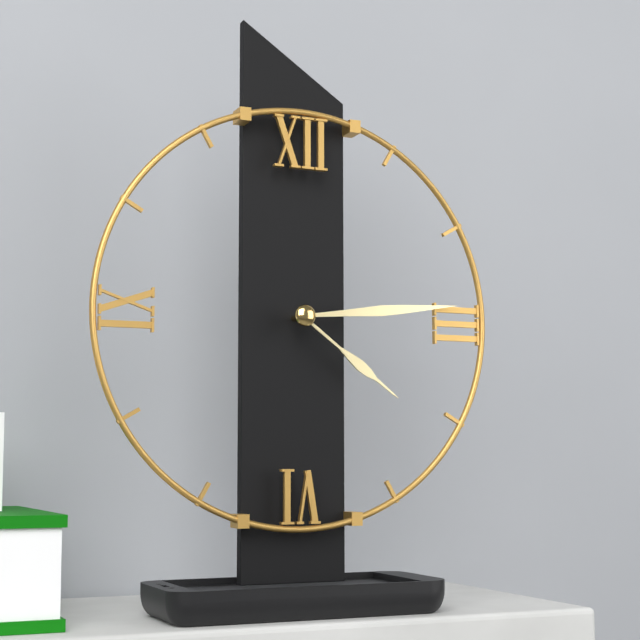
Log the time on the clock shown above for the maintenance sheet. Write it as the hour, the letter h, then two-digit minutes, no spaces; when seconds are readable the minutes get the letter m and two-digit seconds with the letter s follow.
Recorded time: 4h14
